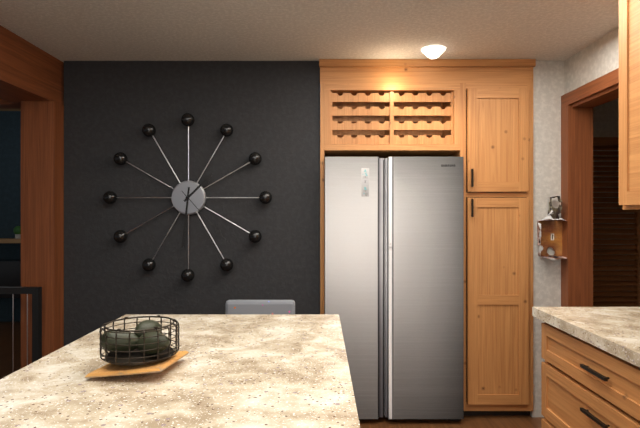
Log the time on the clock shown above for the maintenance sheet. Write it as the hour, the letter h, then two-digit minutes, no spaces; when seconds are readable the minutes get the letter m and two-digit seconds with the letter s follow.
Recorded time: 1h31m23s
